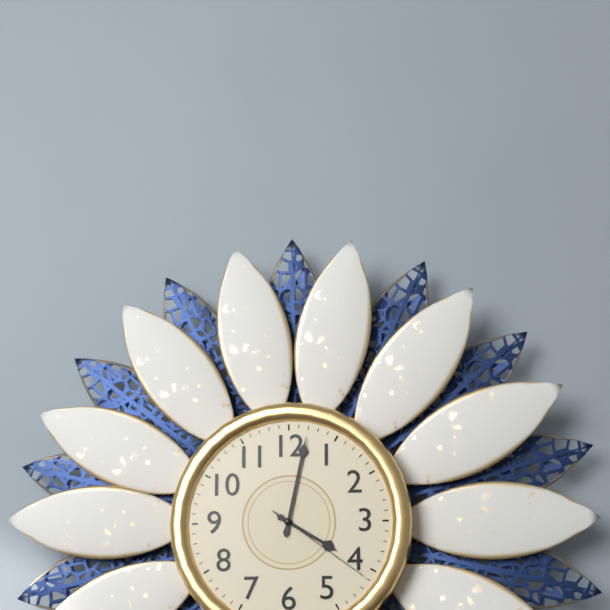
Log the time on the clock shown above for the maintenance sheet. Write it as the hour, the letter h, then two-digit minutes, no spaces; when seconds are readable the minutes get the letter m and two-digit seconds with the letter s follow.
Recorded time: 4h02m21s
